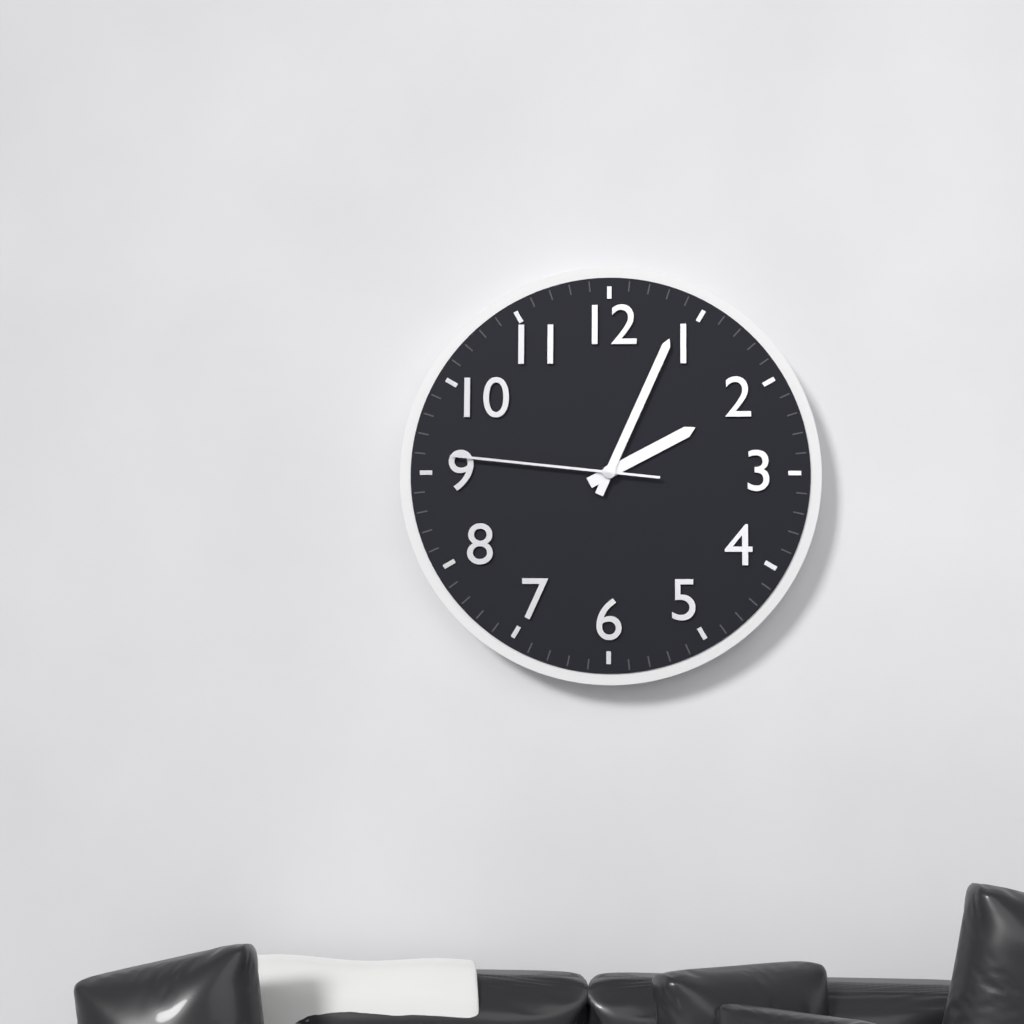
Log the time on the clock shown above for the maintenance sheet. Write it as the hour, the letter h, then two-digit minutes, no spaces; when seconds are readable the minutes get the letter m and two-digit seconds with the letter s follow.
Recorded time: 2h04m46s
